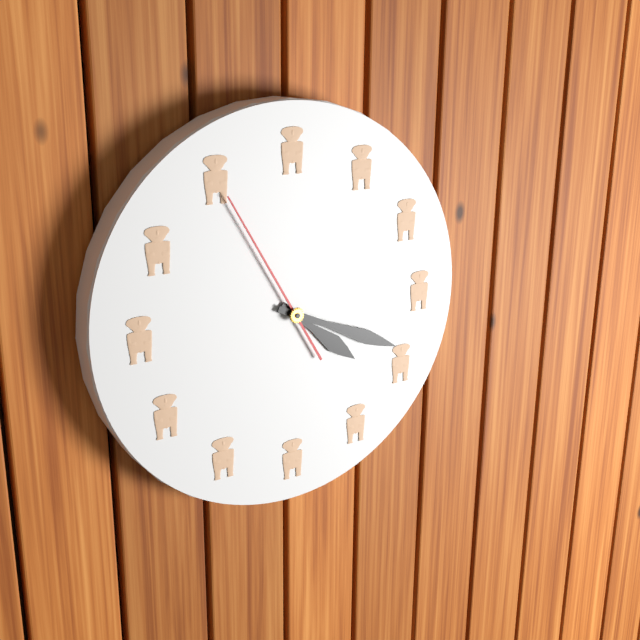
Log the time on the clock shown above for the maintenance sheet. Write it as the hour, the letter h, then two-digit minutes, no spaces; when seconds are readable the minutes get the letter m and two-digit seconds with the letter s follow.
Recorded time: 4h19m55s
